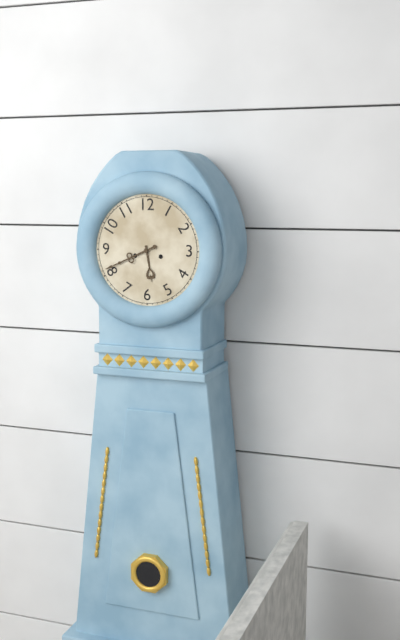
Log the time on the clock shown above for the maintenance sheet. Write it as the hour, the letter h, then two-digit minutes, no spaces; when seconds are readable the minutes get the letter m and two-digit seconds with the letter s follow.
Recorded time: 5h41
